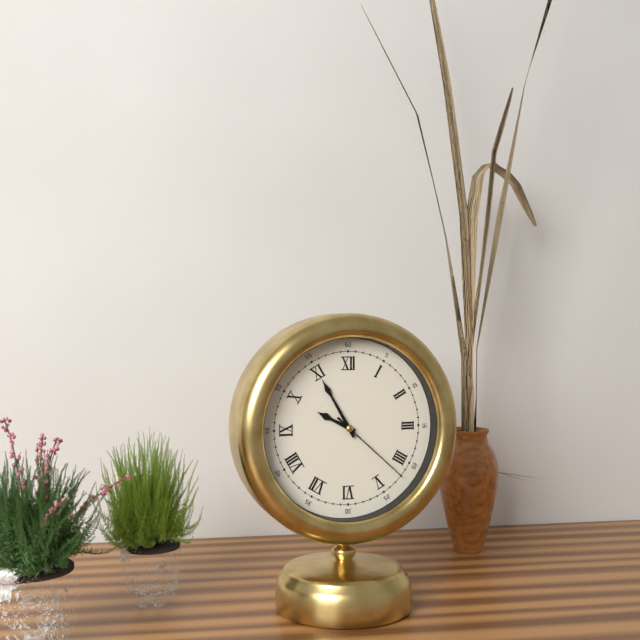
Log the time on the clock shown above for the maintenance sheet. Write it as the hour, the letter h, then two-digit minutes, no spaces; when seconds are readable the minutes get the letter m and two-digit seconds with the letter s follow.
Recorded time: 9h55m22s
